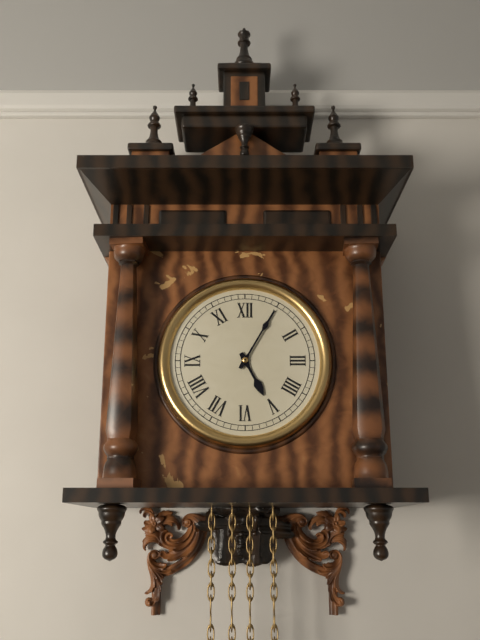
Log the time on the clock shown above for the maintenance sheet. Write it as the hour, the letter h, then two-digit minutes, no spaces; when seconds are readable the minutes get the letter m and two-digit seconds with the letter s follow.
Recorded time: 5h05
